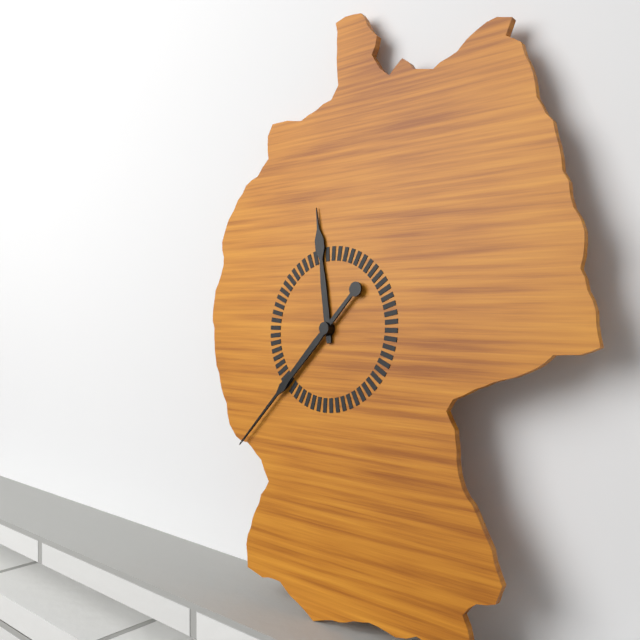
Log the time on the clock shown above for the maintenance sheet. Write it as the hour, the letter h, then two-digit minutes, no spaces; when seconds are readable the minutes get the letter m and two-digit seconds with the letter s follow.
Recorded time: 11h37
